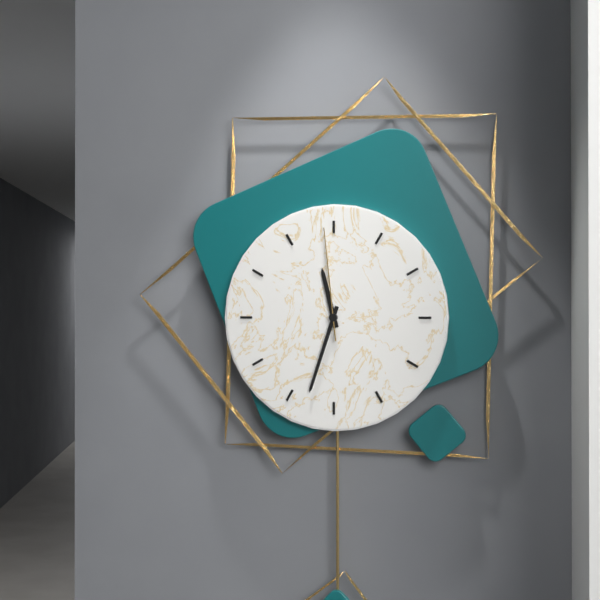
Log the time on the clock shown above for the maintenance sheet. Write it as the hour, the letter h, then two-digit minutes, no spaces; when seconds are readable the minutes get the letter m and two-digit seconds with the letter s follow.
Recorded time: 11h33m59s
